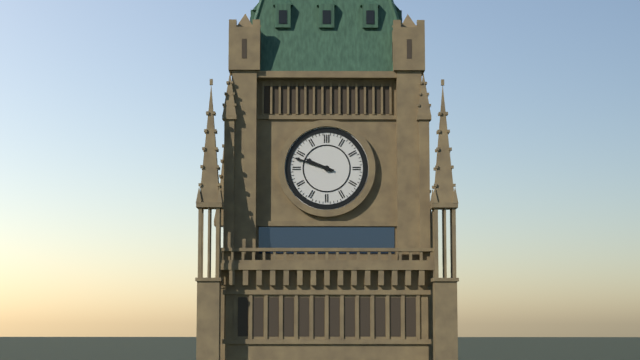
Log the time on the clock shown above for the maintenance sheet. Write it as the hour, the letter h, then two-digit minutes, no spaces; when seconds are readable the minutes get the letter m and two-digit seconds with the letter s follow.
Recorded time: 9h48
